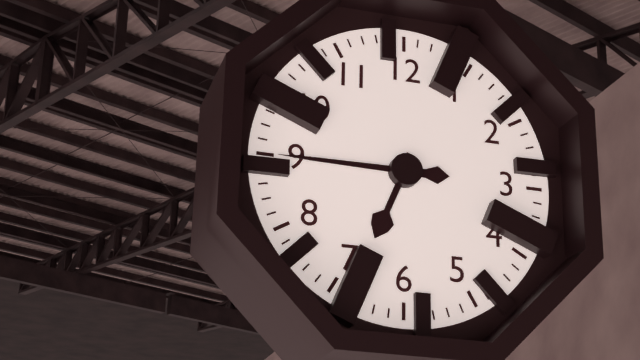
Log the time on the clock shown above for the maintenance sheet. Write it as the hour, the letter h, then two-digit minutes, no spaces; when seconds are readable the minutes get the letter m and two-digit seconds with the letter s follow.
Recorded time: 6h45
